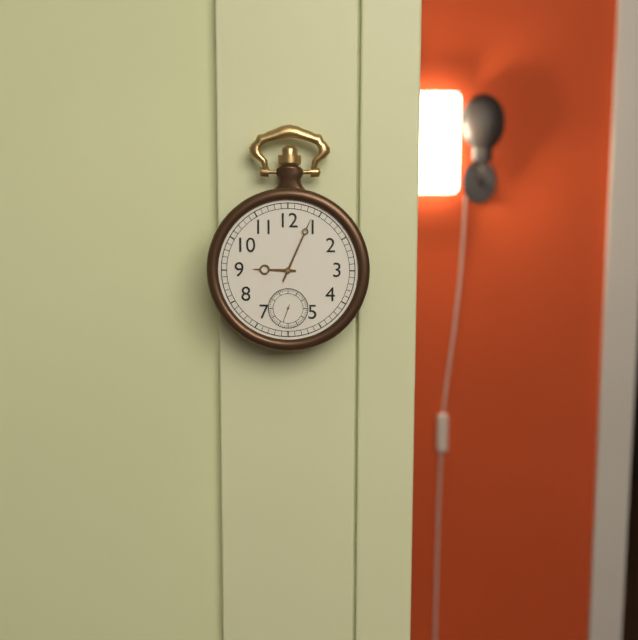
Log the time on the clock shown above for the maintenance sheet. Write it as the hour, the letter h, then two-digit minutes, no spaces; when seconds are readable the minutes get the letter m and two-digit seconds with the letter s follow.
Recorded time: 9h04
